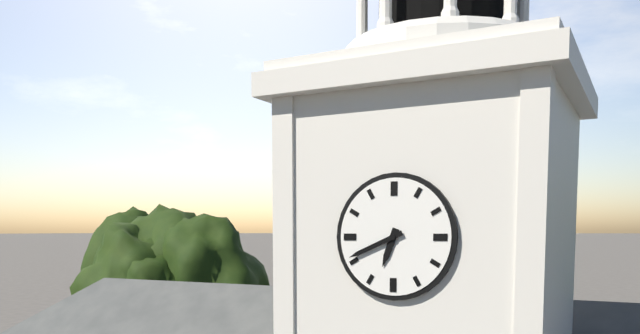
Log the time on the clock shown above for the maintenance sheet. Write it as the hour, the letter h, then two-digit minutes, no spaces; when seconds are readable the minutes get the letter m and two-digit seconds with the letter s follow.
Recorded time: 6h41
